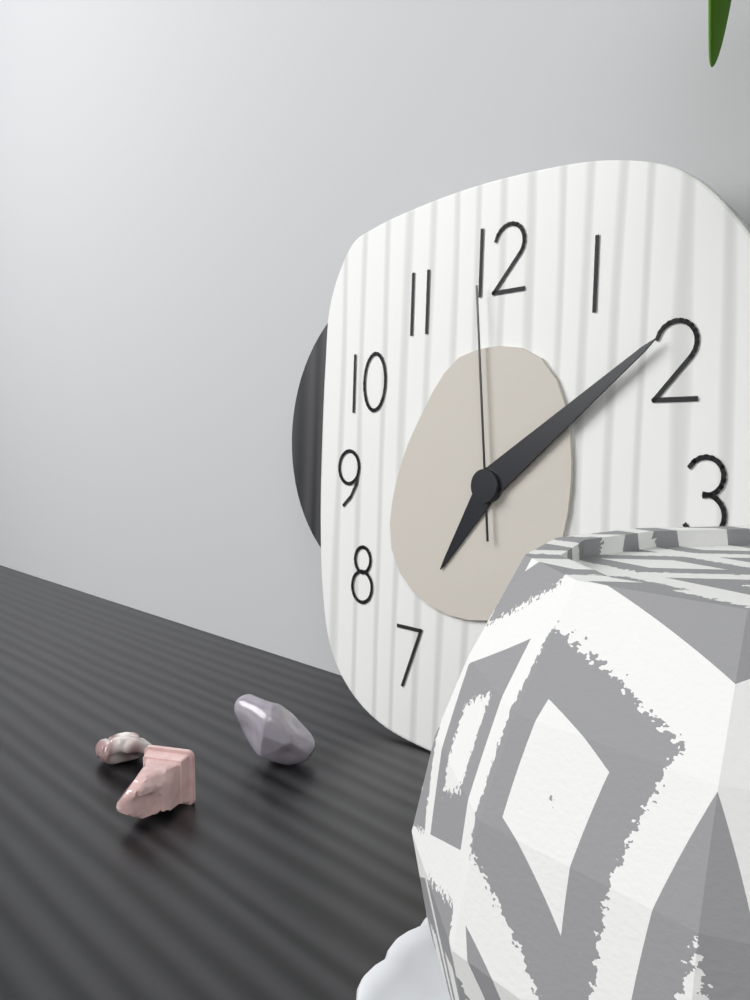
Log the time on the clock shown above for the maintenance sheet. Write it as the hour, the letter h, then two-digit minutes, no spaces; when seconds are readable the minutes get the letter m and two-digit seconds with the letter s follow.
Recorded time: 7h09m59s
